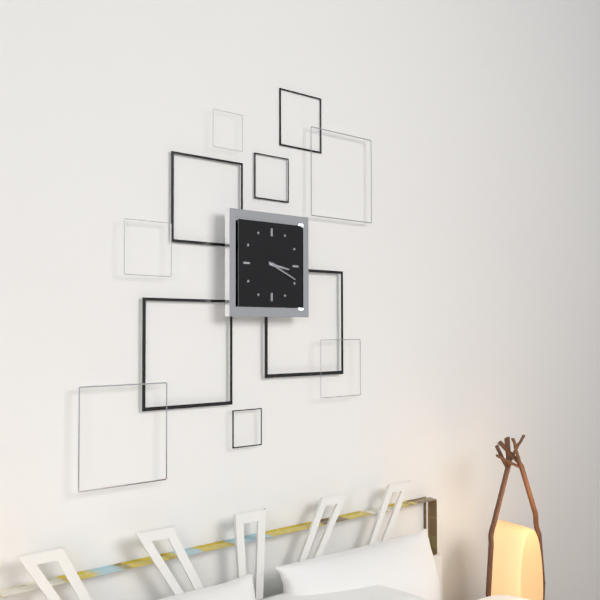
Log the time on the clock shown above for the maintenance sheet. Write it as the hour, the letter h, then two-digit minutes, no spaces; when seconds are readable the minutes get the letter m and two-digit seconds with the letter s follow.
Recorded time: 3h19
